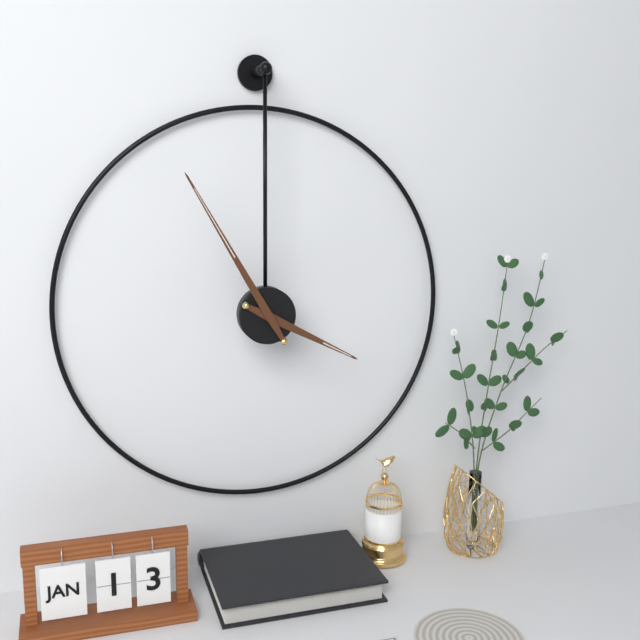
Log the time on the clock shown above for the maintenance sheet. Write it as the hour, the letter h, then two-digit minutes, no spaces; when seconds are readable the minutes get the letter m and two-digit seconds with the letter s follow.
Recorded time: 3h55
